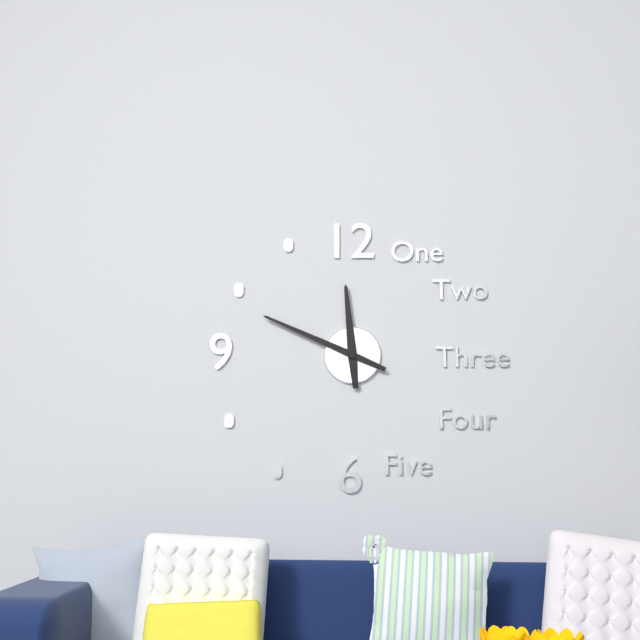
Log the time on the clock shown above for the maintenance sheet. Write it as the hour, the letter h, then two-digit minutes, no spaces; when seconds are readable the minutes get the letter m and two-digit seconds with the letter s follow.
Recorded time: 11h49
